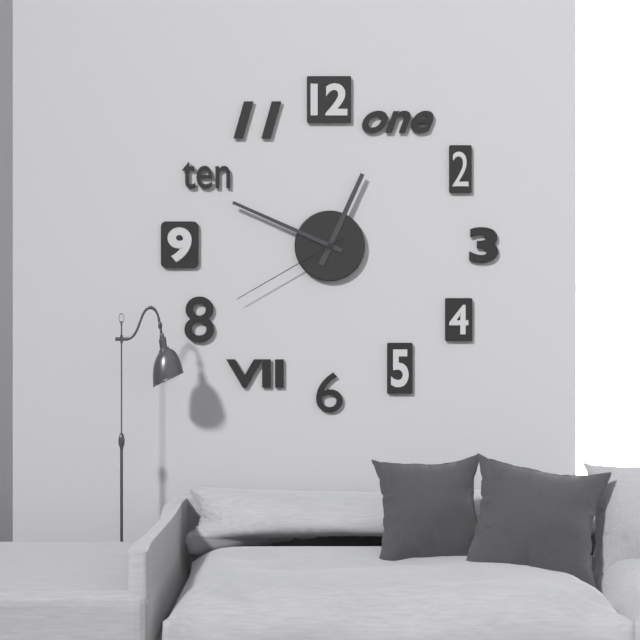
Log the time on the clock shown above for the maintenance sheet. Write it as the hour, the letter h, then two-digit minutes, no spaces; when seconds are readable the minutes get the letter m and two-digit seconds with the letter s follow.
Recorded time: 12h49m40s
